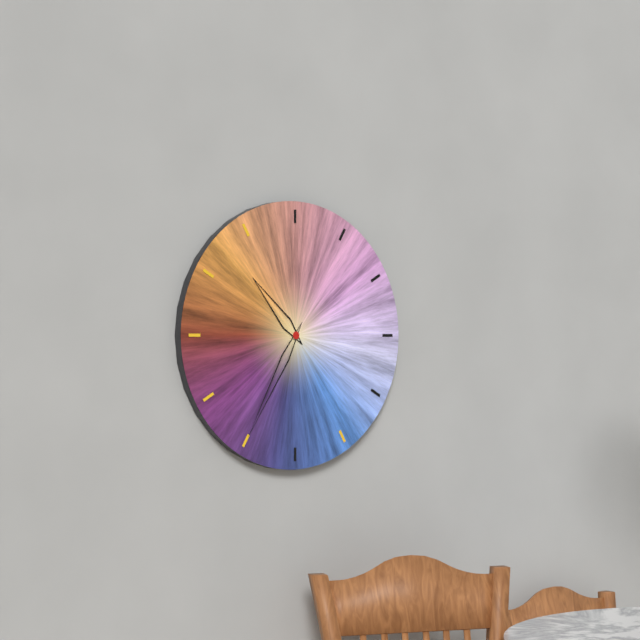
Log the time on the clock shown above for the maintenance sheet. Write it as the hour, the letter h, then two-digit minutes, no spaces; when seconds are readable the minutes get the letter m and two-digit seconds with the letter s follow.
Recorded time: 10h35
